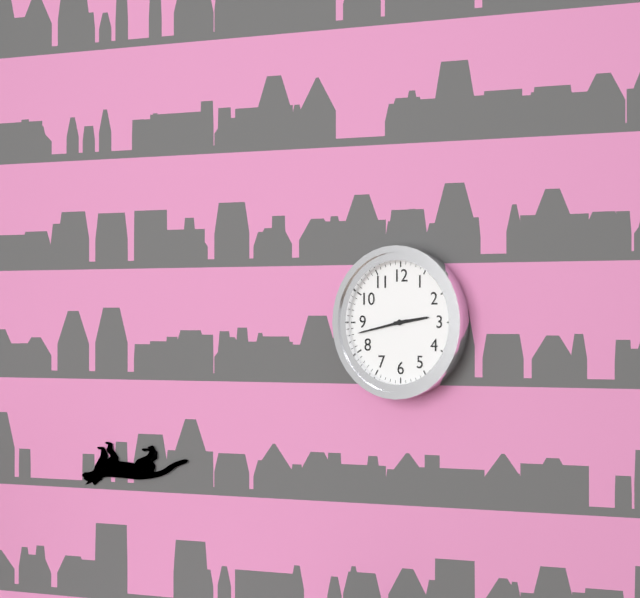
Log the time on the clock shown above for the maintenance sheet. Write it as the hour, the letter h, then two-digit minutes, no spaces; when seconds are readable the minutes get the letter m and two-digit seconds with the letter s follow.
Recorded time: 2h43
